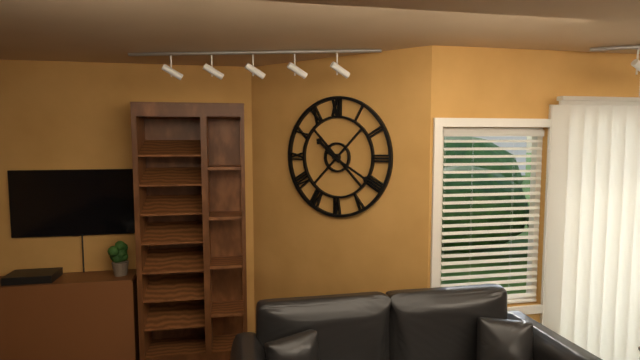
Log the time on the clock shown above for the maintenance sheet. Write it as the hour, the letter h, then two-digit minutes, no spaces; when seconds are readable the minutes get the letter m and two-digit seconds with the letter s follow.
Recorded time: 10h20
